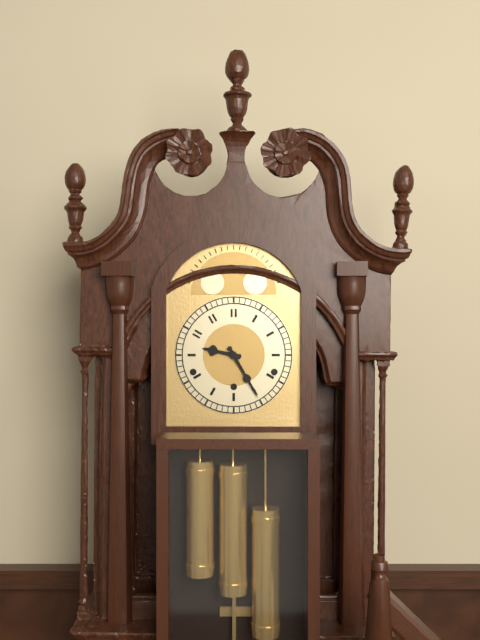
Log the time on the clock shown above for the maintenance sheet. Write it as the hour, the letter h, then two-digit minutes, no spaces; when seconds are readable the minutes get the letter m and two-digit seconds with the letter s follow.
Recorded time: 9h25
